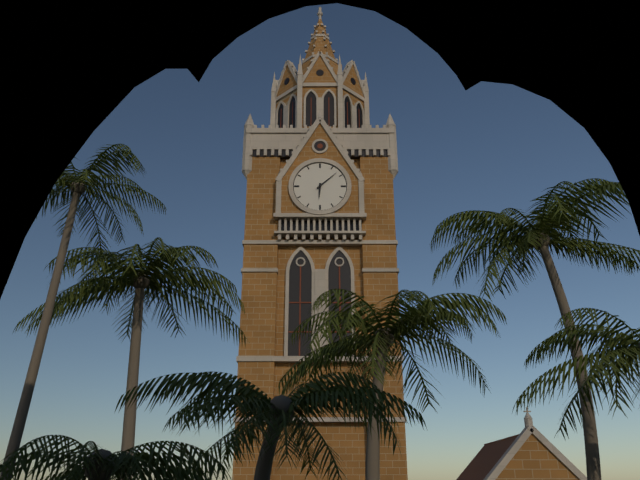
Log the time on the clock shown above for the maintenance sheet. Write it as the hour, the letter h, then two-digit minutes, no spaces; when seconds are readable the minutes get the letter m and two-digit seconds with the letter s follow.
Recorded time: 6h08
